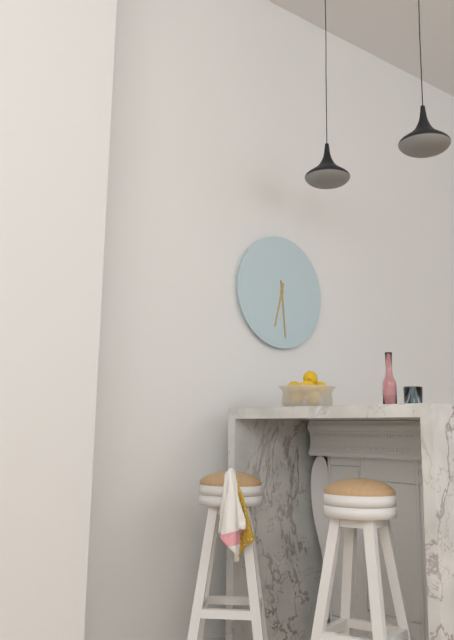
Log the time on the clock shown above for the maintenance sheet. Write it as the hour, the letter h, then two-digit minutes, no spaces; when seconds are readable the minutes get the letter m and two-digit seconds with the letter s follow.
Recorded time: 6h29
